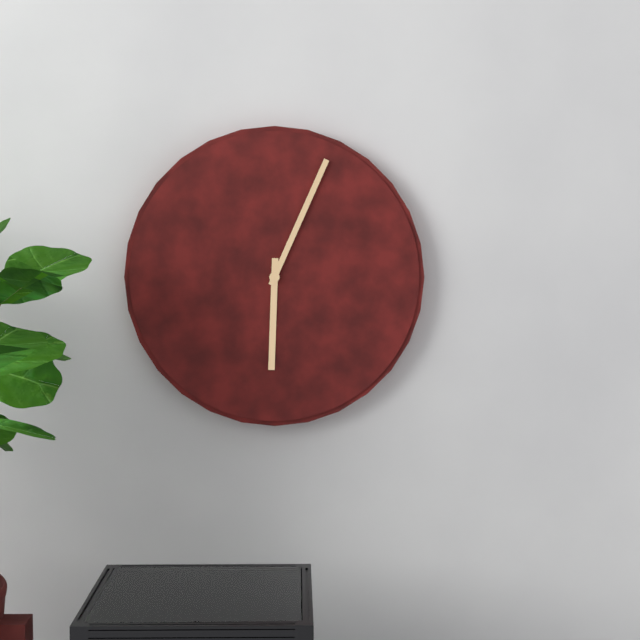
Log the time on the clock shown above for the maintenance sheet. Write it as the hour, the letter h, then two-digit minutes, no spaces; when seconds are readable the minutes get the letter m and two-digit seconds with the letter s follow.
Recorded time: 6h04
